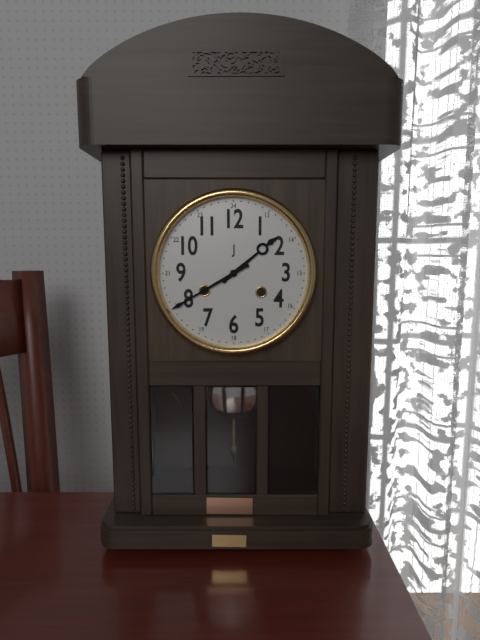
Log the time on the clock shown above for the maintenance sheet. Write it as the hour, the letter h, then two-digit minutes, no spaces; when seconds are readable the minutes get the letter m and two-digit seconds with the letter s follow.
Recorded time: 1h40
